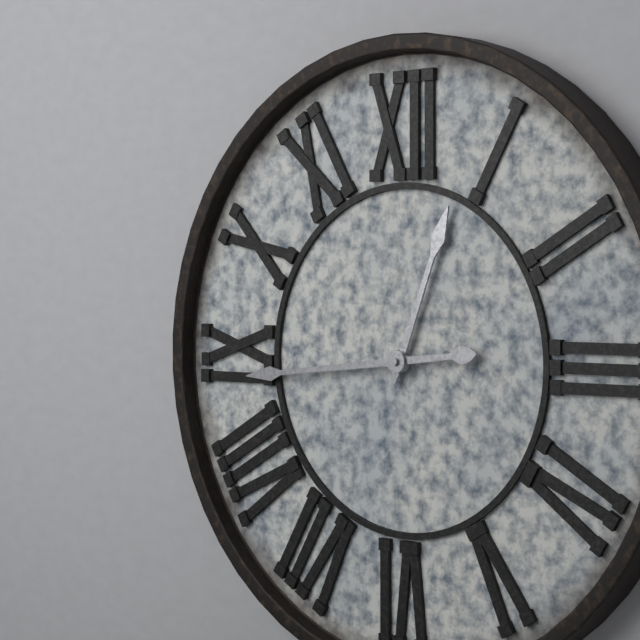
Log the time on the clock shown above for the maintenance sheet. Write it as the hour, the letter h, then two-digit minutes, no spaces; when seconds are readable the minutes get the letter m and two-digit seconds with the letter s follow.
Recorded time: 12h44
